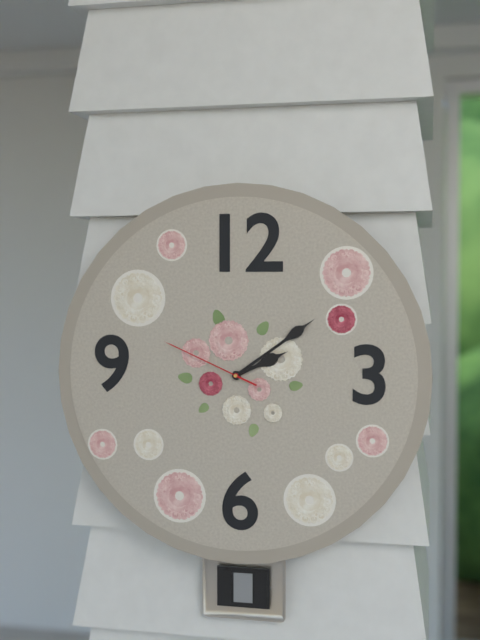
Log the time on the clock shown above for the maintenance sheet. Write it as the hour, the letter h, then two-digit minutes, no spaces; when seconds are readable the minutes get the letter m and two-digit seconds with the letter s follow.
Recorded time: 2h09m49s
